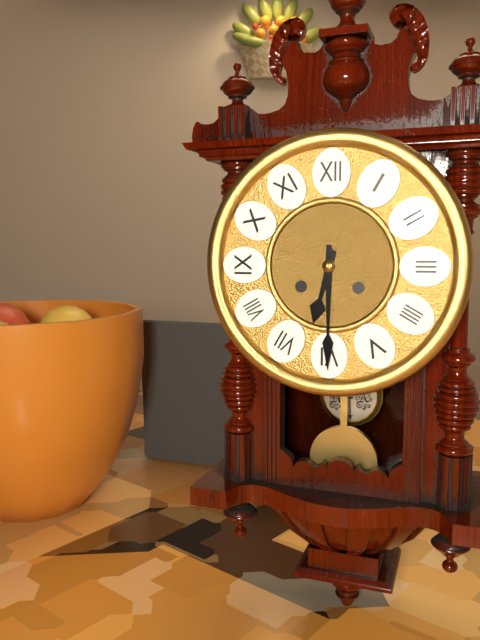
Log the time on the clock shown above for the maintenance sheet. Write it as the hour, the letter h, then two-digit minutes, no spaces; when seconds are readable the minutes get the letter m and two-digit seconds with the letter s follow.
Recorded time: 6h30
